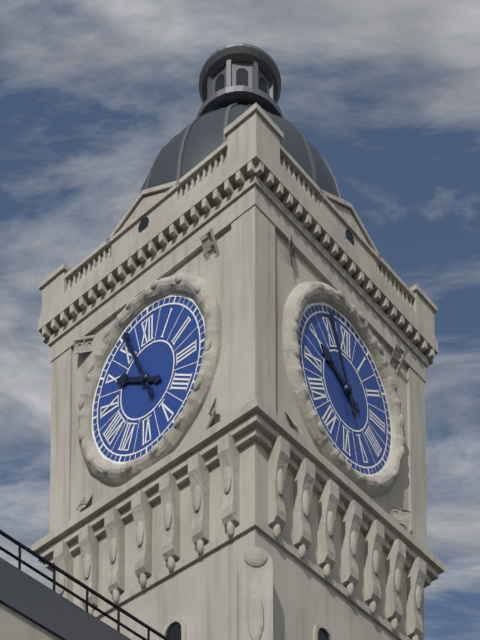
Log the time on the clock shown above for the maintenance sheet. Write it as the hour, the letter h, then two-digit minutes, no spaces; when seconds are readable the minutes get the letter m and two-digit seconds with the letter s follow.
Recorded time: 9h56
